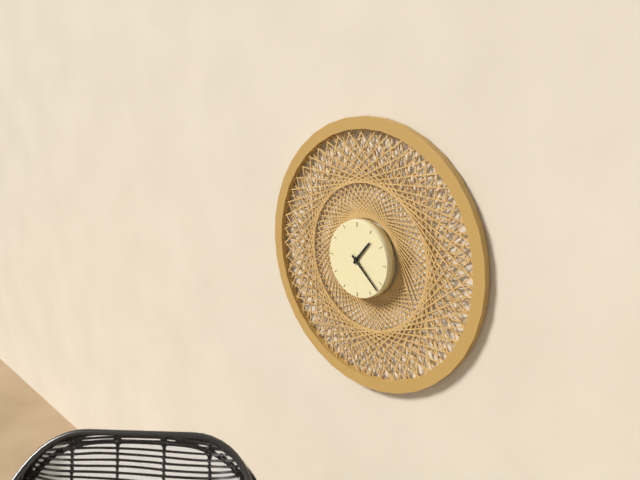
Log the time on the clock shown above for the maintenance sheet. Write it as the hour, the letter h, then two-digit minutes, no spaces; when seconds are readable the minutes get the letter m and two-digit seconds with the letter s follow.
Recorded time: 1h22
